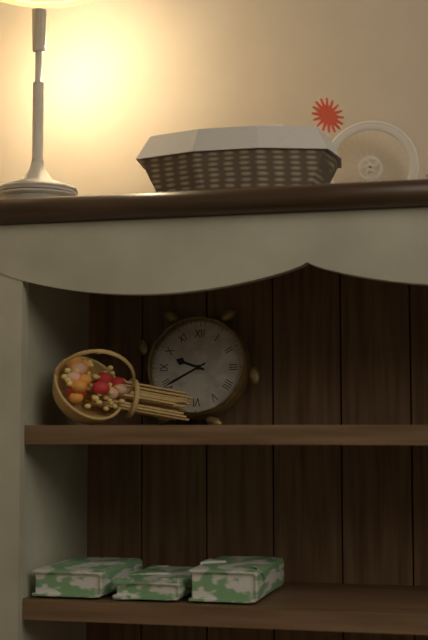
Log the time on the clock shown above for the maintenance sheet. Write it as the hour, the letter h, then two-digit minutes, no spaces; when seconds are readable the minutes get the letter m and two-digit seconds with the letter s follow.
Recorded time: 9h40
